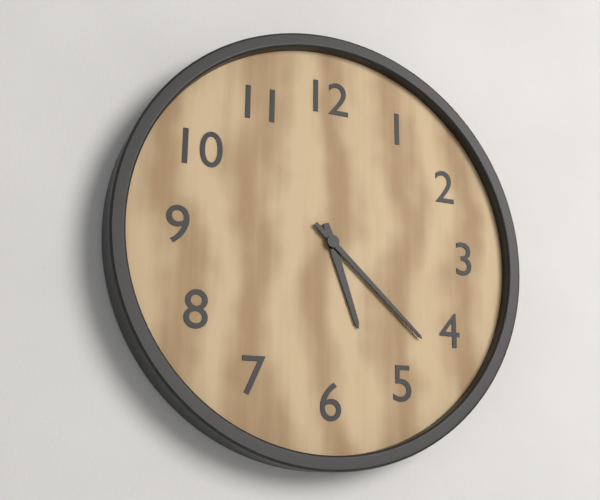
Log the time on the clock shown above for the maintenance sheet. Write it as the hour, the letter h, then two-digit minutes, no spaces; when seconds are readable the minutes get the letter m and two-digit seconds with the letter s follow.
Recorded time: 5h22
